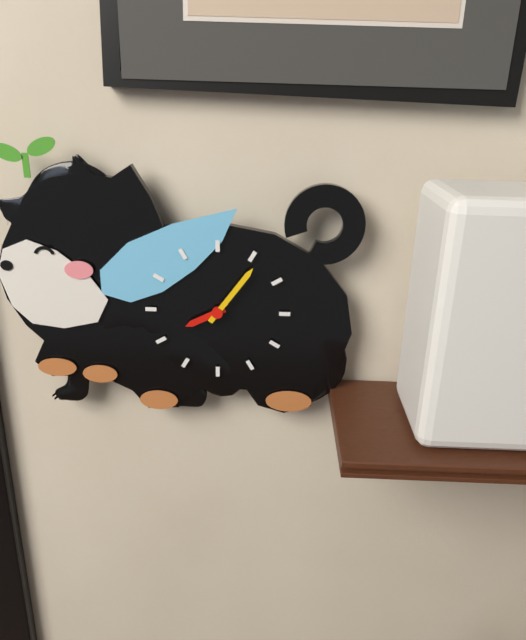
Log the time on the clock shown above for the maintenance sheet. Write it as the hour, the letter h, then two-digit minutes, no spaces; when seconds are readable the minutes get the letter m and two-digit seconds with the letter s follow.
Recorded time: 8h06
